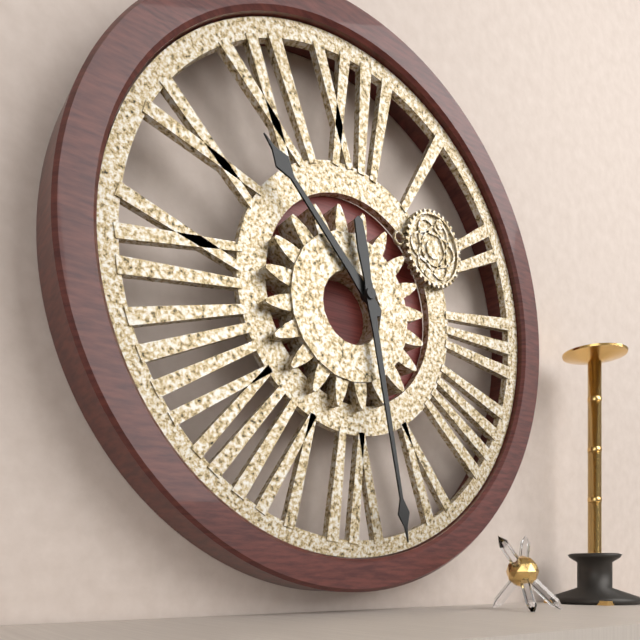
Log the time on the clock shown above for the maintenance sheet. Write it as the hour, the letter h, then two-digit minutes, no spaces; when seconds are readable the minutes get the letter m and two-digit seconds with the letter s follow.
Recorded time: 10h28
